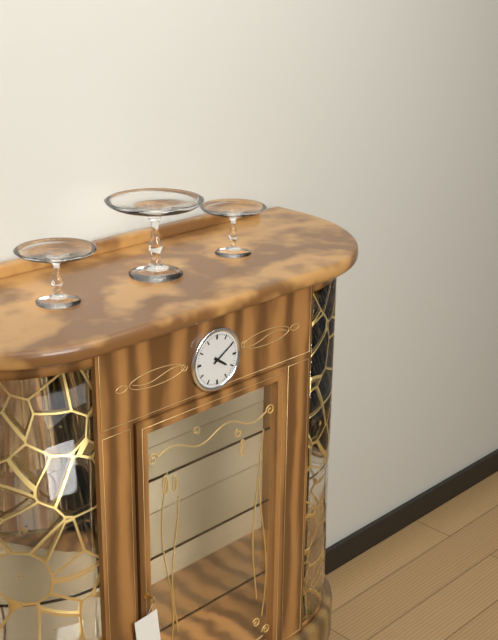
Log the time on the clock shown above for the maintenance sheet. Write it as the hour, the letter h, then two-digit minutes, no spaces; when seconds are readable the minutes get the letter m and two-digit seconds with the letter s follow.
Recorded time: 4h10
